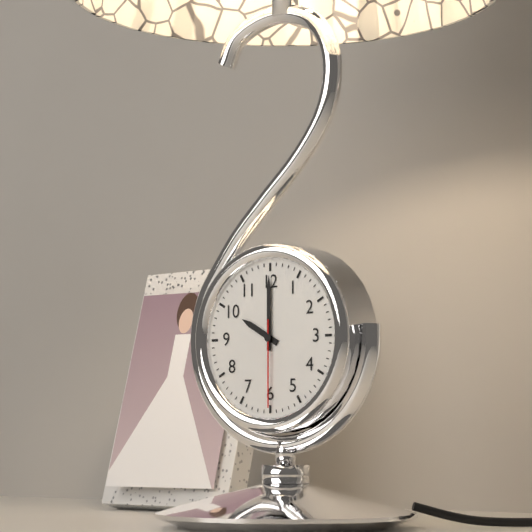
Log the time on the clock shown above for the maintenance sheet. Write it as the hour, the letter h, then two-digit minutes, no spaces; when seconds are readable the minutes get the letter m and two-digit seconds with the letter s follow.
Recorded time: 10h00m30s
